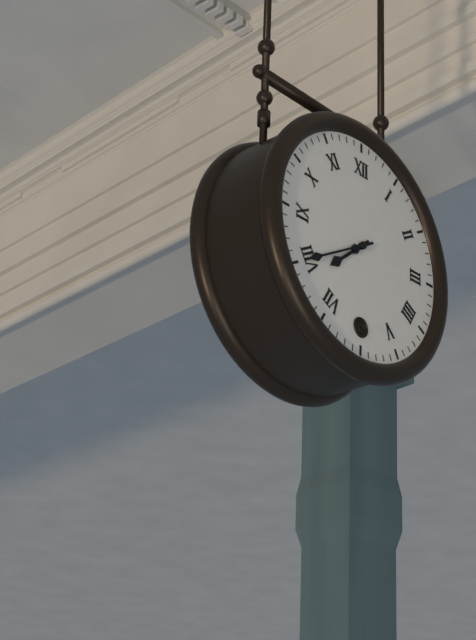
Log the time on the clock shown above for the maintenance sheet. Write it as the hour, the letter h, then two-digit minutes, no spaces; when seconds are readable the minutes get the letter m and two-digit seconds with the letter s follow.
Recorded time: 7h40
